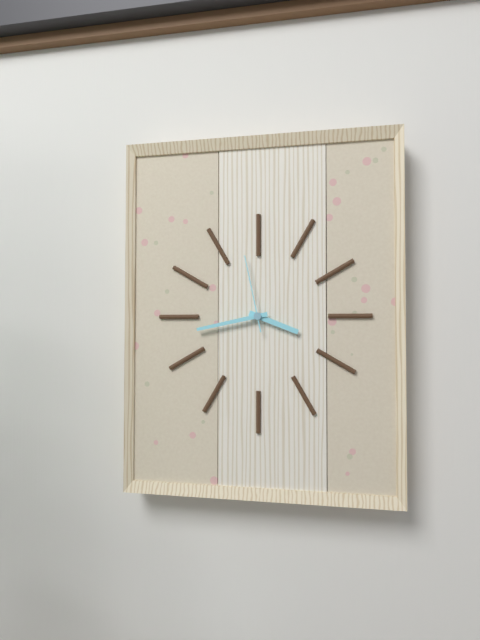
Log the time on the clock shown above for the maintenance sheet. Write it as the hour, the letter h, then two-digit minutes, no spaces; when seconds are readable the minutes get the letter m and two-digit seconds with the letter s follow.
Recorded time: 3h43m58s
